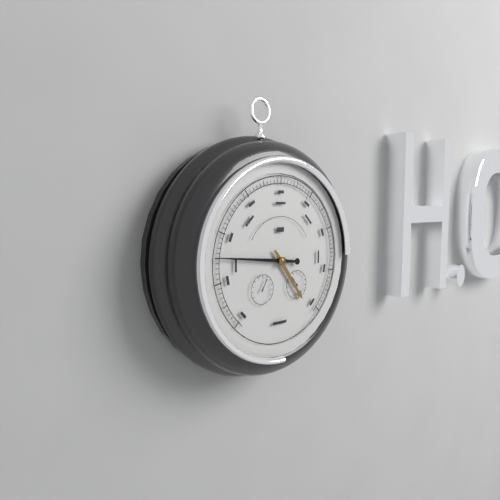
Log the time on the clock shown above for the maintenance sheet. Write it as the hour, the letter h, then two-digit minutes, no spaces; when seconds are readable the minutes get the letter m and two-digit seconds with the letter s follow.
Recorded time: 4h46
